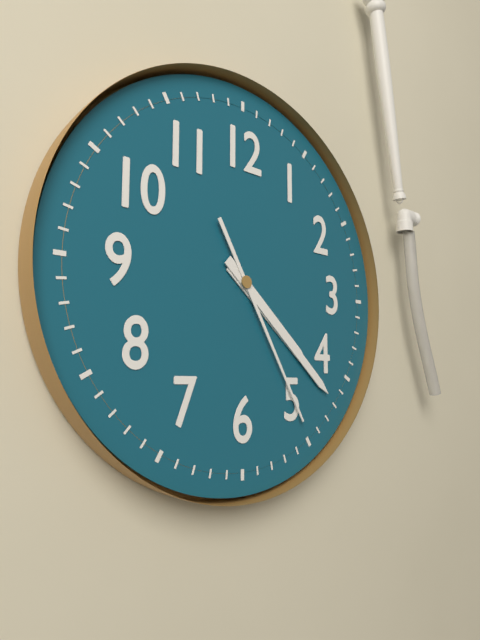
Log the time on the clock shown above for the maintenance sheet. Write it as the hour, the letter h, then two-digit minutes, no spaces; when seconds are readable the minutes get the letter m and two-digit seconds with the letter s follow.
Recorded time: 4h22m25s
